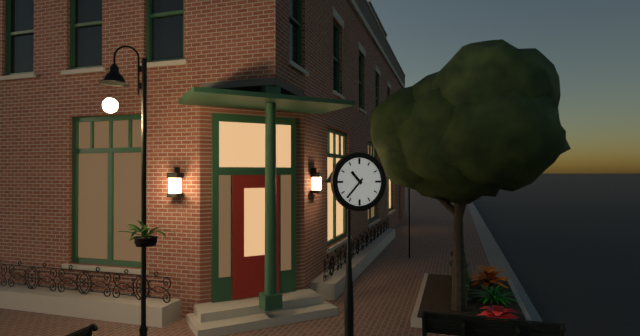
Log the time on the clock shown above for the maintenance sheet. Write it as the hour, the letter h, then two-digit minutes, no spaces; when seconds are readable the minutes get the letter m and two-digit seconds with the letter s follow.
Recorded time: 10h37
